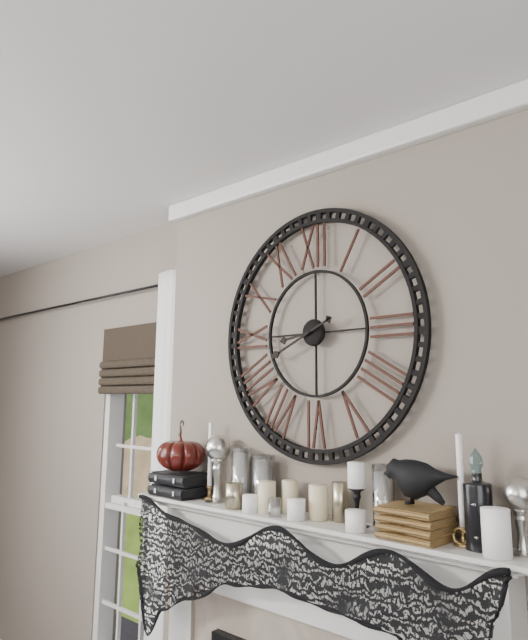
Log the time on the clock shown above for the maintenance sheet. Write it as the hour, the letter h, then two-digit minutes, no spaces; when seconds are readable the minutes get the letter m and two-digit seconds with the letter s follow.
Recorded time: 8h41
